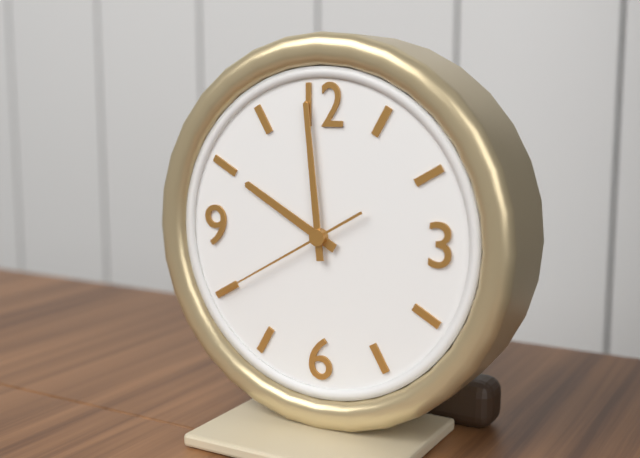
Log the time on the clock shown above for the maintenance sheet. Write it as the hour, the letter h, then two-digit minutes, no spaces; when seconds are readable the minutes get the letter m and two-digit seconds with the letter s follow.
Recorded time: 9h59m40s
